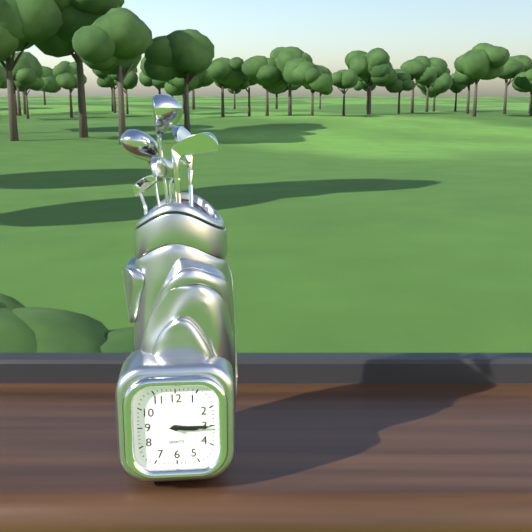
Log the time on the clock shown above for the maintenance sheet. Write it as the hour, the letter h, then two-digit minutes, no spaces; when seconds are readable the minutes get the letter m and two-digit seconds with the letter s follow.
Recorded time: 3h15
